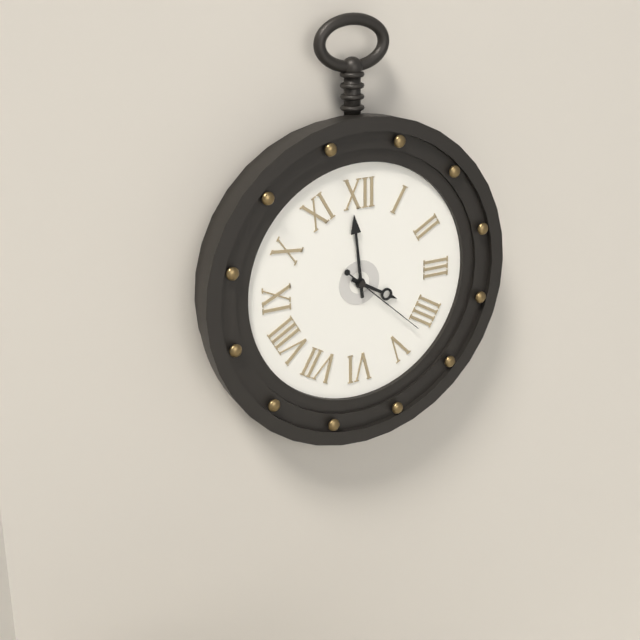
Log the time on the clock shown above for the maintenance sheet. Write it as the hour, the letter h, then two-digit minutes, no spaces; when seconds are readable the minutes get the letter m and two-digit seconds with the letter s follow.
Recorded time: 3h59m22s
